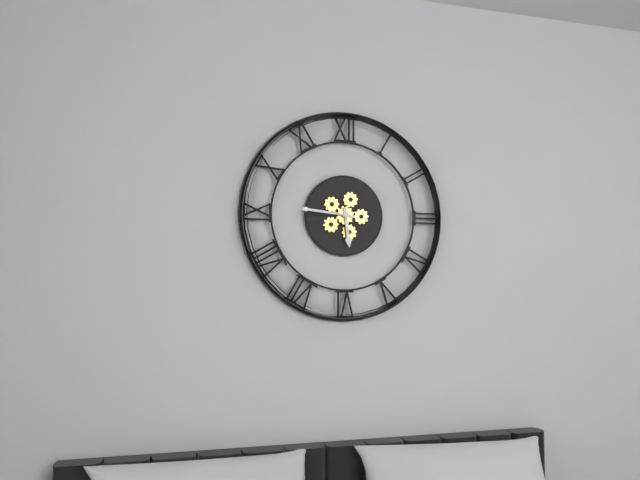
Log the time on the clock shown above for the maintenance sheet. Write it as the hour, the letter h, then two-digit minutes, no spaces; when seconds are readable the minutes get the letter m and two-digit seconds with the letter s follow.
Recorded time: 5h46
